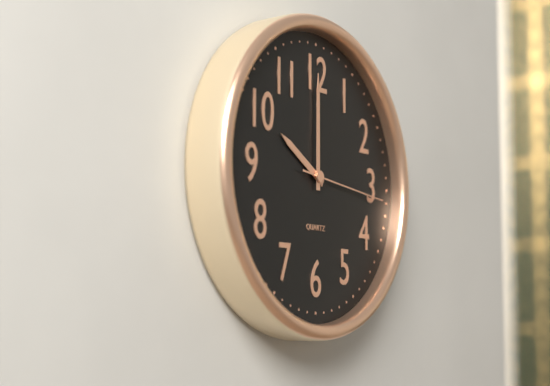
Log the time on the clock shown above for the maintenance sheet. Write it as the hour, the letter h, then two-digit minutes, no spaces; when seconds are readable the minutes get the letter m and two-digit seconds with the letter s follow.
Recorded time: 10h00m16s
